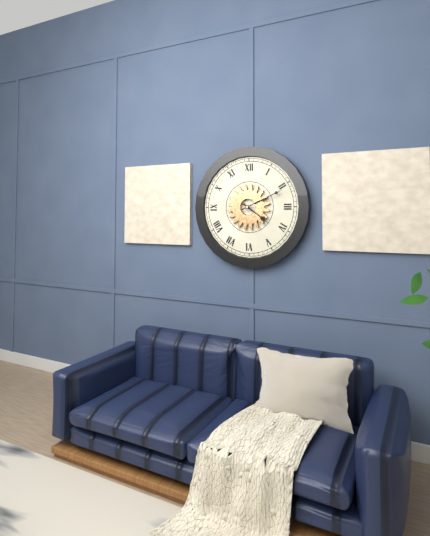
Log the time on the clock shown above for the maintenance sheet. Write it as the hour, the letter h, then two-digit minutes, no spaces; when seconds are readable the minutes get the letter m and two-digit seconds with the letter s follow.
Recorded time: 4h11
